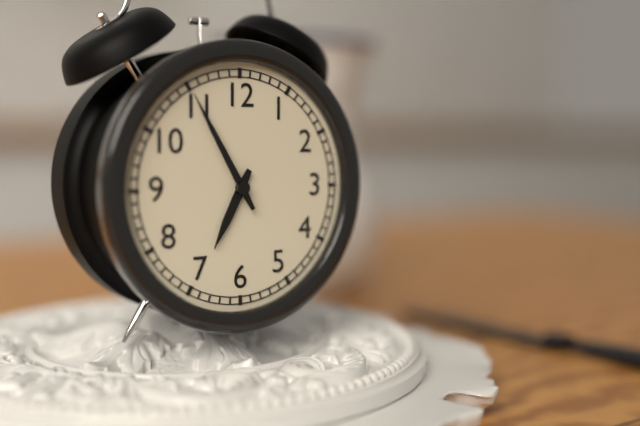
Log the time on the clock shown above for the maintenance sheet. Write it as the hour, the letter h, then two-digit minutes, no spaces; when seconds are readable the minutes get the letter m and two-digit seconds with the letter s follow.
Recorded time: 6h55
